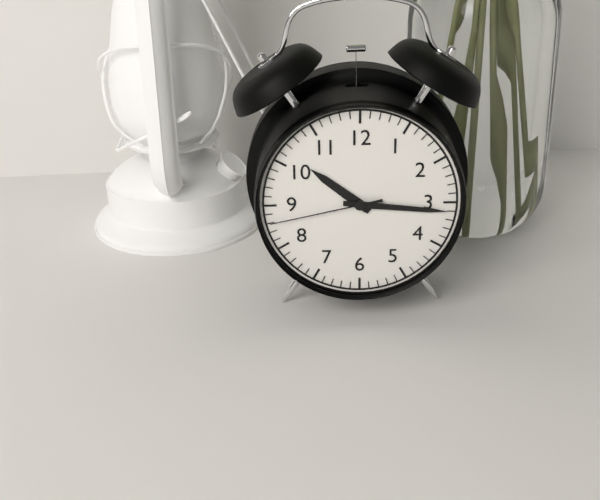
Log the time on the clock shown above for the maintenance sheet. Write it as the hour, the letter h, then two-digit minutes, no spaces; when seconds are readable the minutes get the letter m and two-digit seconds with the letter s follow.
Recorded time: 10h16m43s
